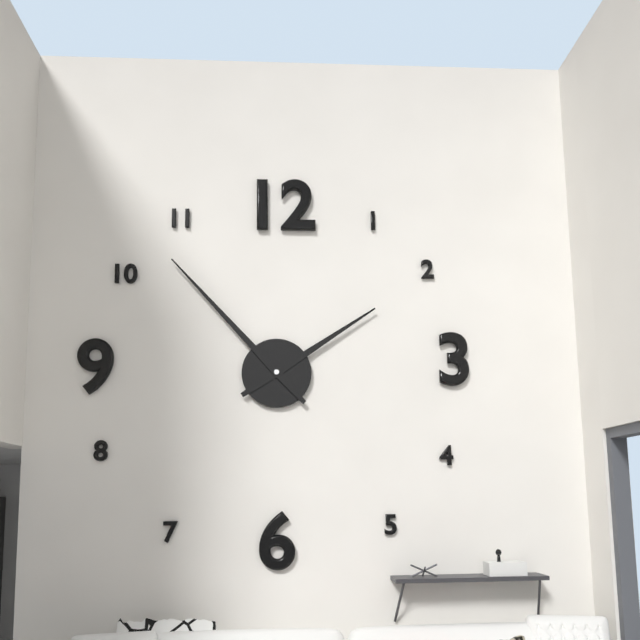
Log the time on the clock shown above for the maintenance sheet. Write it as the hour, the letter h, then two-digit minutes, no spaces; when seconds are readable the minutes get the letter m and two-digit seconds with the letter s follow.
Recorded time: 1h53
